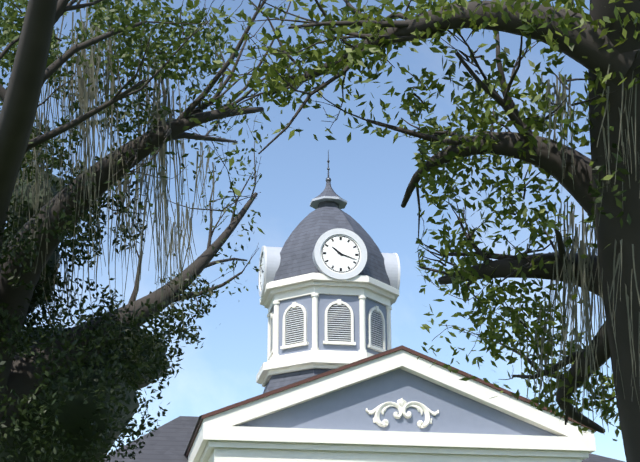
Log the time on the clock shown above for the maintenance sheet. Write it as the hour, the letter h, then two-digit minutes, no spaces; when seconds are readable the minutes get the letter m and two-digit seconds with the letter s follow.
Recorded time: 10h18
